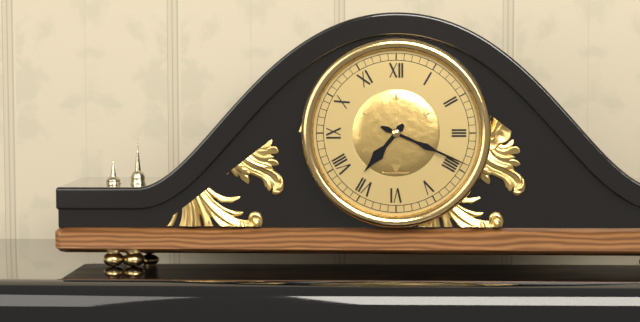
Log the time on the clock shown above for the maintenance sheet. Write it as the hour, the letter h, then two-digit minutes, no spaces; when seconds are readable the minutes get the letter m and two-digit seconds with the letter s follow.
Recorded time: 7h19
